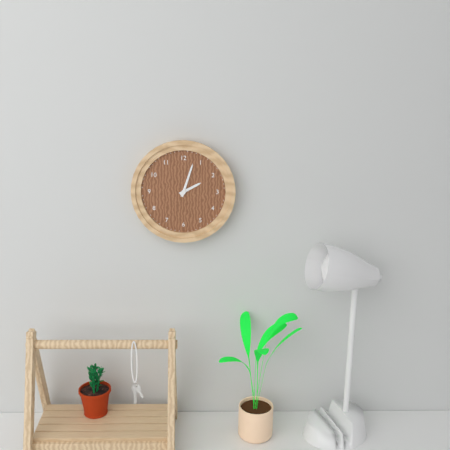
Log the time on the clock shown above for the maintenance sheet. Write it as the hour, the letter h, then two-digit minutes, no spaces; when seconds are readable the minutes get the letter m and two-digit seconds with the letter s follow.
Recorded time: 2h03
